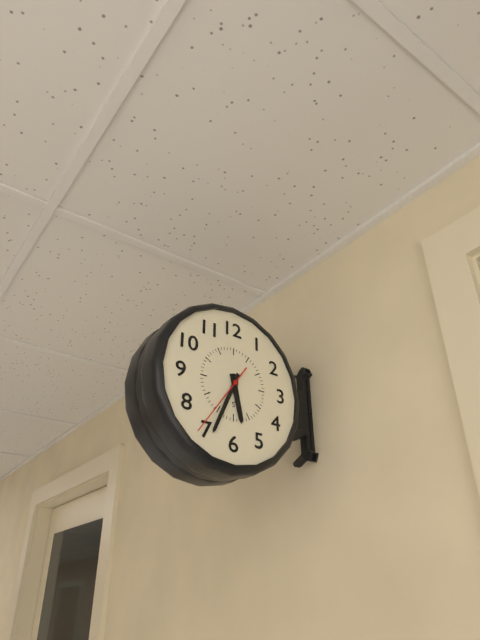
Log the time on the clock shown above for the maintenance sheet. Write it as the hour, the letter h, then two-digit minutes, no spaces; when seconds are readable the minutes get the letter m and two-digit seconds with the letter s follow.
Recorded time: 5h34m36s
